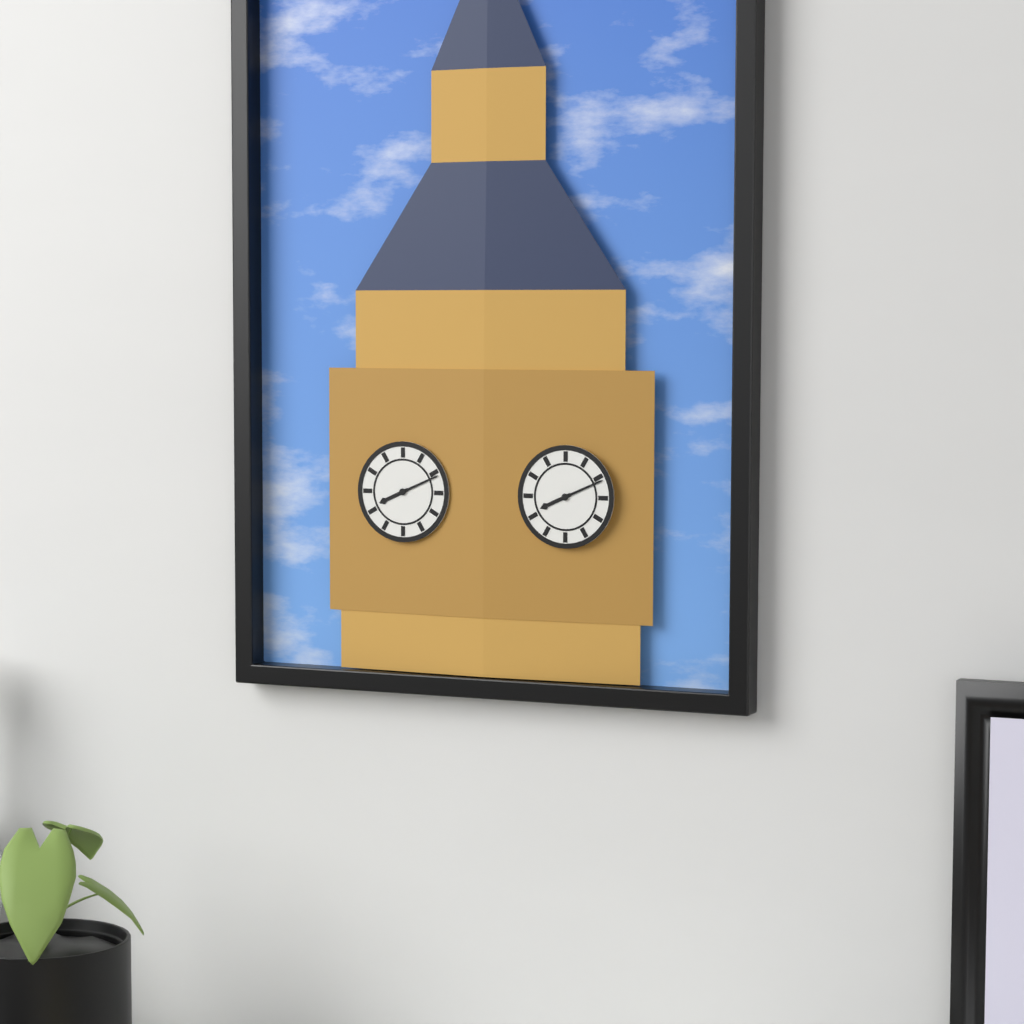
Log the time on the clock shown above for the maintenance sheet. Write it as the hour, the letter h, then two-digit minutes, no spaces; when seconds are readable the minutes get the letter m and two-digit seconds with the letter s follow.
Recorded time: 8h11
